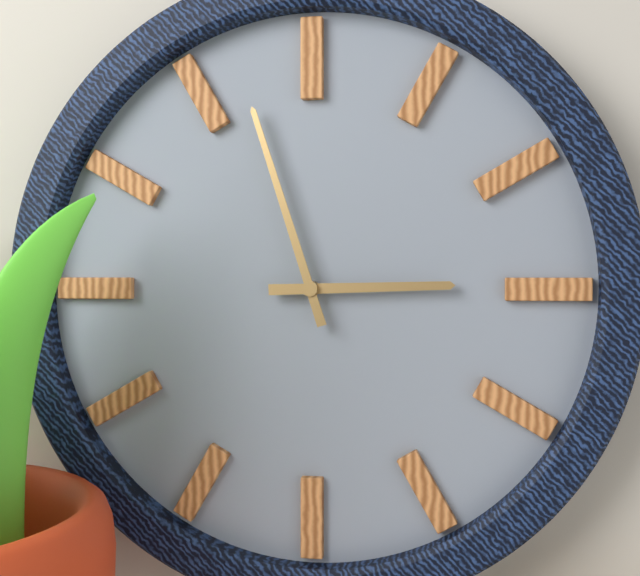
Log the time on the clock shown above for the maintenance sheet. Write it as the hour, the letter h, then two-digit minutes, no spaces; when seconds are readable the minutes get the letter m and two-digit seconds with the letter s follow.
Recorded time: 2h57
